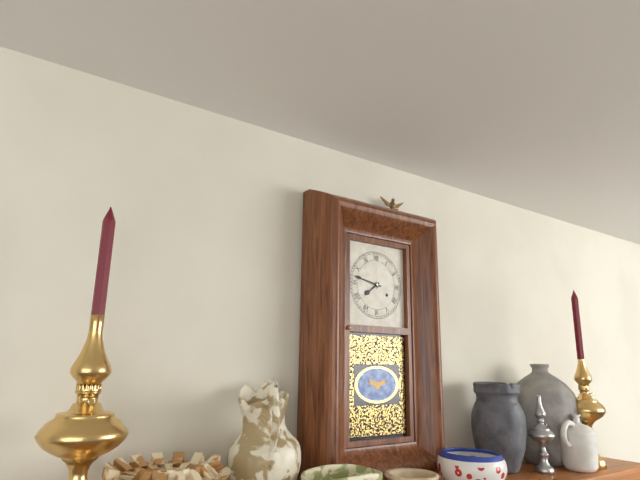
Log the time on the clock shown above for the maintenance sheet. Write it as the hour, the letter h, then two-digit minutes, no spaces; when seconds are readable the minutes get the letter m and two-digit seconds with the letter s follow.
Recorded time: 7h47
